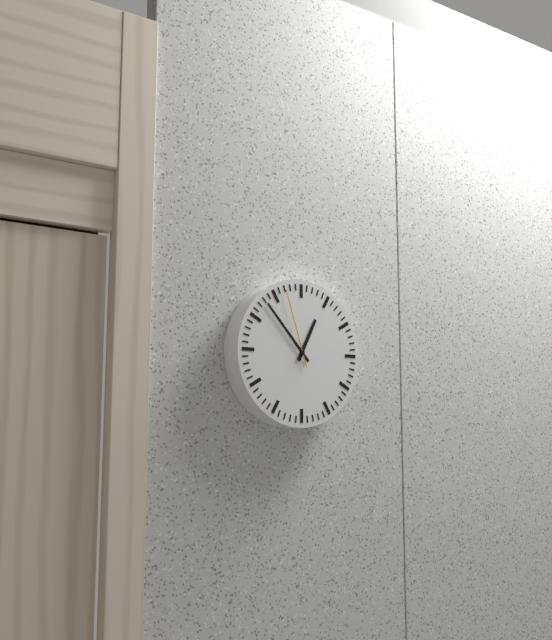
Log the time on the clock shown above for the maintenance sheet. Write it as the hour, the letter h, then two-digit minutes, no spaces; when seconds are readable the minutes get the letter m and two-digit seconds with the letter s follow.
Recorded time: 12h53m57s
